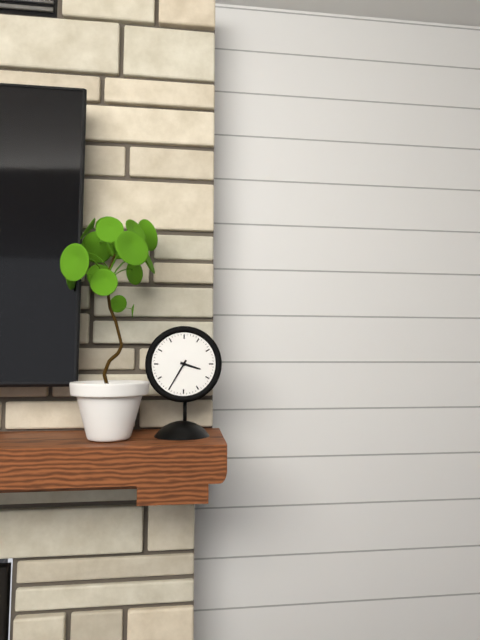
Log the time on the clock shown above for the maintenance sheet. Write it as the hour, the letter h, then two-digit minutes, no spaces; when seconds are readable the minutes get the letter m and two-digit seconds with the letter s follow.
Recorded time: 3h35
